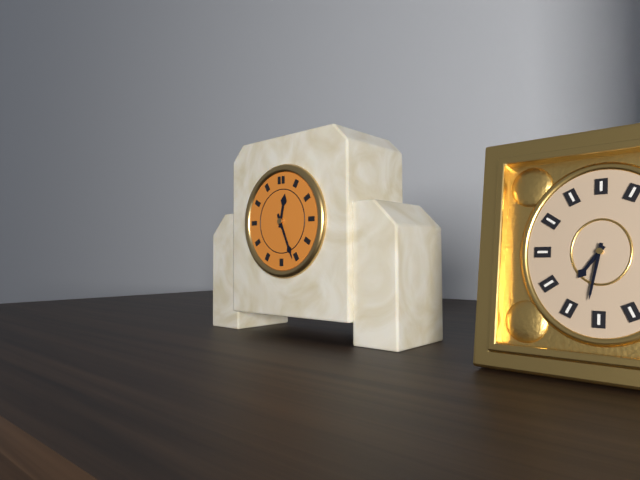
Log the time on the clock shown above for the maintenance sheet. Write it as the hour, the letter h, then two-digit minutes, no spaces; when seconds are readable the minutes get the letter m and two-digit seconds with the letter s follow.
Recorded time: 12h26
